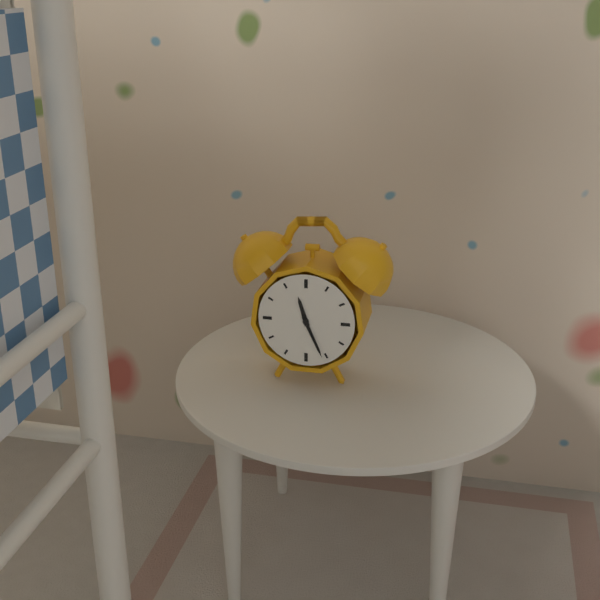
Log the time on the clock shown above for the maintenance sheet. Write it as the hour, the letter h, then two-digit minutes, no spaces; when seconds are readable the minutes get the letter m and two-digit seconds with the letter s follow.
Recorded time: 11h26
